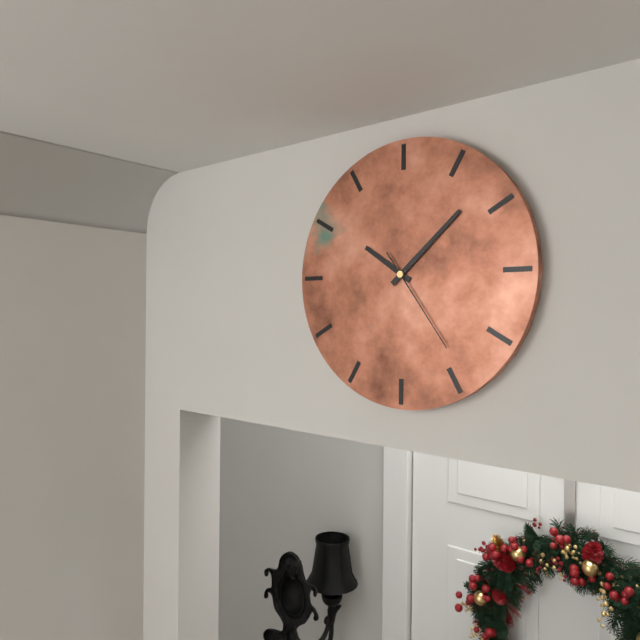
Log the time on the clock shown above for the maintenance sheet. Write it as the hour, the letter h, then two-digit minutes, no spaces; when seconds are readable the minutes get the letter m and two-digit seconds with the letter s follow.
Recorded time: 10h08m24s
